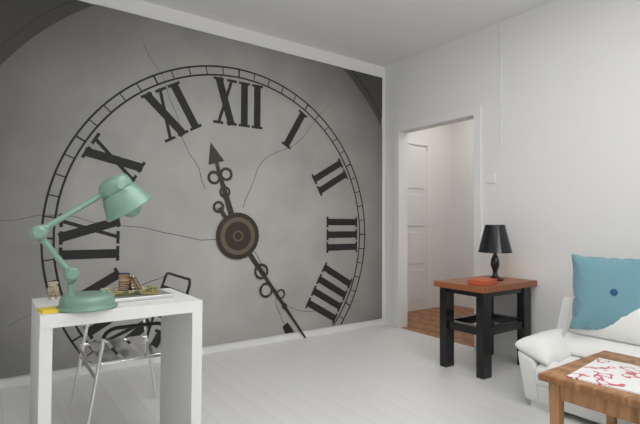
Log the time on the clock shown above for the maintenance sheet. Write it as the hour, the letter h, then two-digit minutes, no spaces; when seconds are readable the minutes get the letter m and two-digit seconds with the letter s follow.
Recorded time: 11h24
